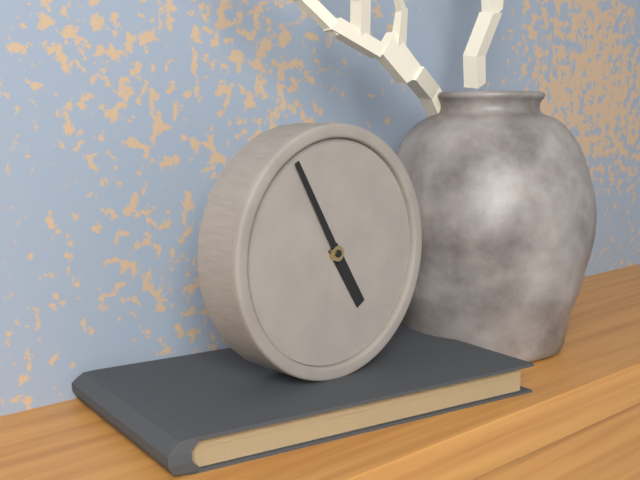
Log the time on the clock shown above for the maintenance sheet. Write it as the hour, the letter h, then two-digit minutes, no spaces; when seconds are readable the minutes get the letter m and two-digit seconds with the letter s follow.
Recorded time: 4h55
